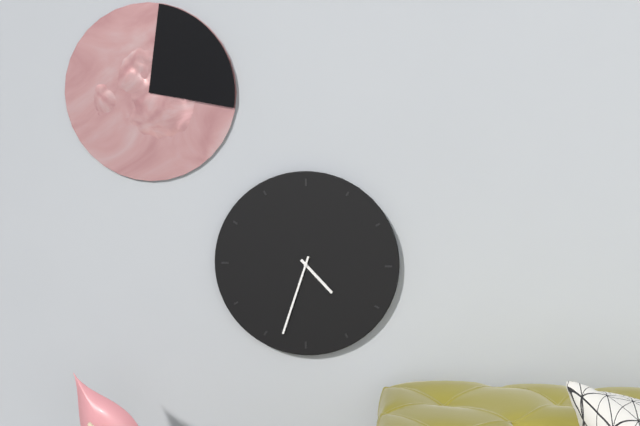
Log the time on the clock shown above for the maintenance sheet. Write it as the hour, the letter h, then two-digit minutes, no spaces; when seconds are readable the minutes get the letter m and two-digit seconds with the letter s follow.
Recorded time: 4h33
